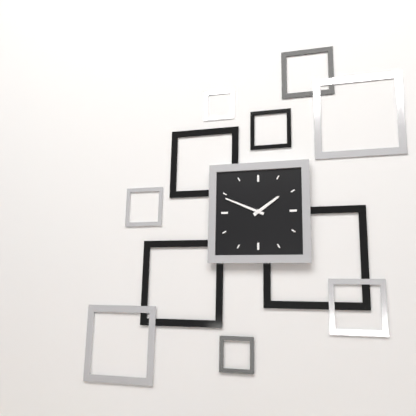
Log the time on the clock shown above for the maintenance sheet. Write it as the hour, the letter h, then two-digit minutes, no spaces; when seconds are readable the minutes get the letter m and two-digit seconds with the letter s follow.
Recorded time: 1h49
